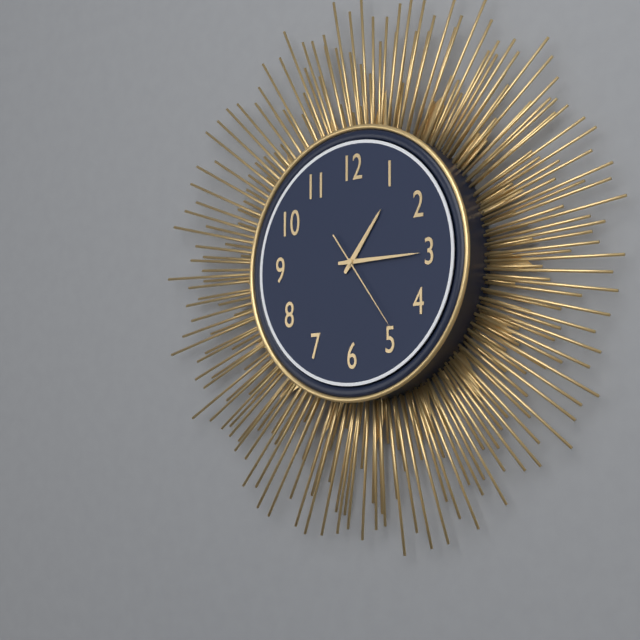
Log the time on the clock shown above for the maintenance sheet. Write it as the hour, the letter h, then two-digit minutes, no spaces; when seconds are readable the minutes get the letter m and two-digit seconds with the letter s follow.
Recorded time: 1h15m24s
